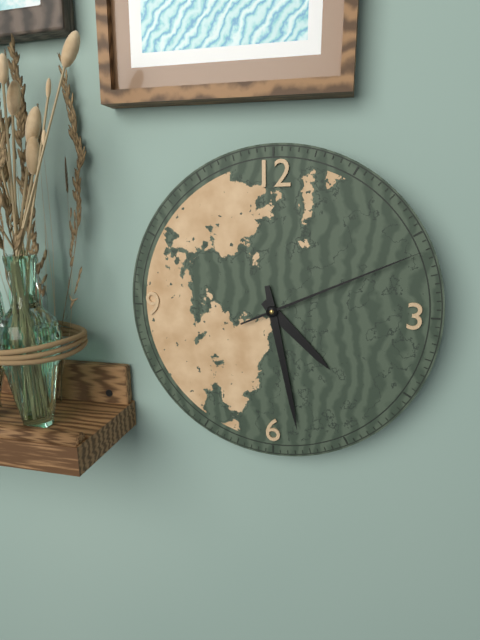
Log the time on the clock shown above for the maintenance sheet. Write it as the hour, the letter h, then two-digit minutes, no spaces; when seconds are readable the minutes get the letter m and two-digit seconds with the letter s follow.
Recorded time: 4h28m11s
